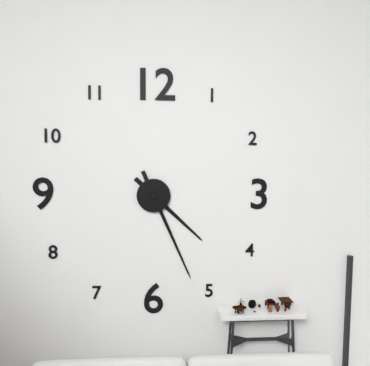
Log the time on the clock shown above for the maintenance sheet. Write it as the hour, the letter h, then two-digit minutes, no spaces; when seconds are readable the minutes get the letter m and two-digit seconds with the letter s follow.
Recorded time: 4h26
